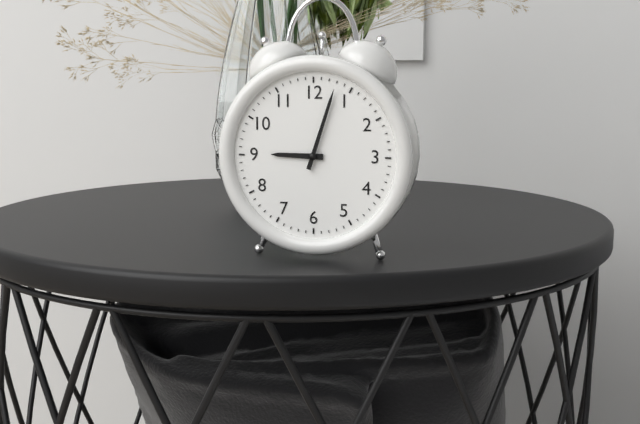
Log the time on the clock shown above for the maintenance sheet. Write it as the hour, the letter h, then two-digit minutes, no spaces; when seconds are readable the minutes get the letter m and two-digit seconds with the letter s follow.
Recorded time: 9h03
